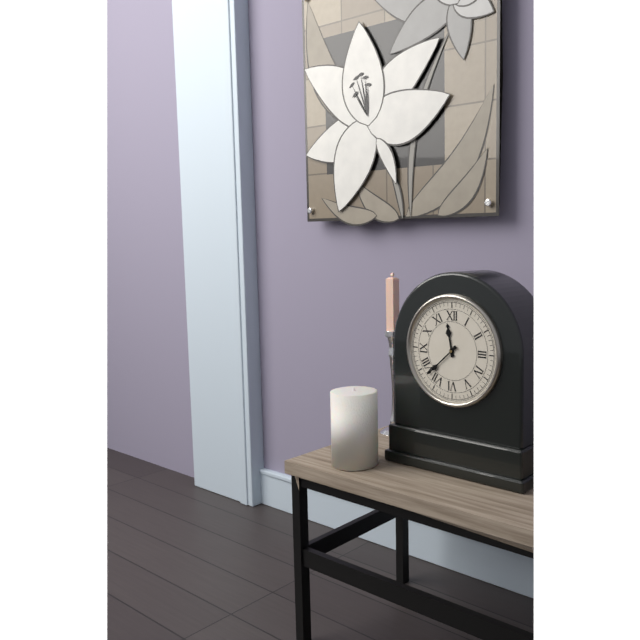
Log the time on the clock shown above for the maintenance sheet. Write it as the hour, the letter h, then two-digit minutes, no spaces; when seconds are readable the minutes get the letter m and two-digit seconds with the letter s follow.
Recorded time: 11h38
